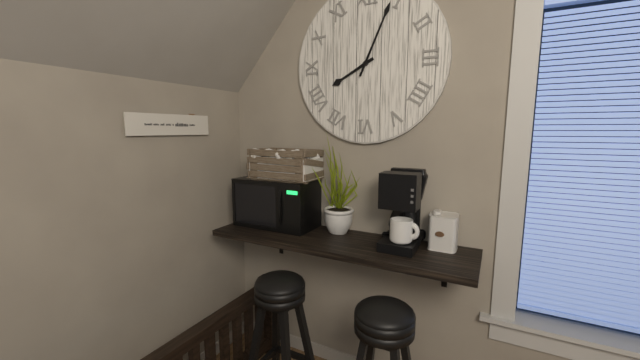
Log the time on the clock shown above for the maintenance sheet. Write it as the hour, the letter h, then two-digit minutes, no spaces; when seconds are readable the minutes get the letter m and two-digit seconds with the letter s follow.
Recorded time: 8h04
